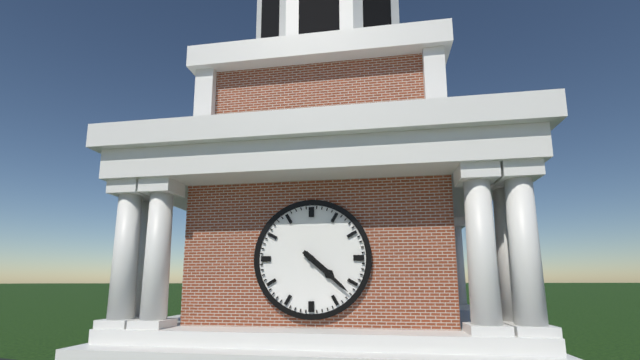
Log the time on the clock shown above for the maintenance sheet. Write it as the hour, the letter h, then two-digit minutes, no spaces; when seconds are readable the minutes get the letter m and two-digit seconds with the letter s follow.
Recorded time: 4h22
